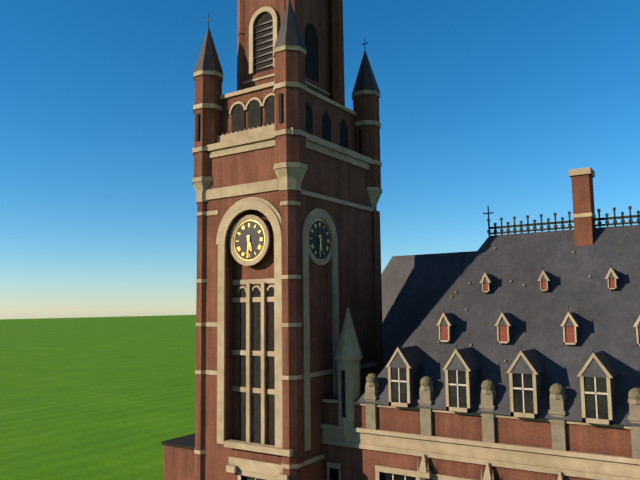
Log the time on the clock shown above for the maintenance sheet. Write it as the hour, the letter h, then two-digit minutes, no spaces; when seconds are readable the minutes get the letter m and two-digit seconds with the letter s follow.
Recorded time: 5h31
